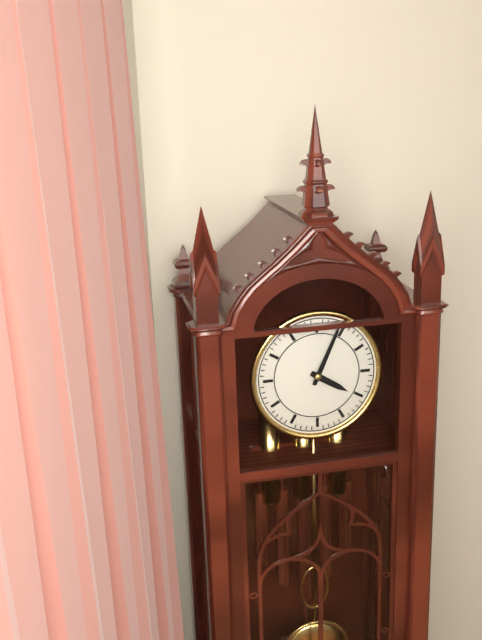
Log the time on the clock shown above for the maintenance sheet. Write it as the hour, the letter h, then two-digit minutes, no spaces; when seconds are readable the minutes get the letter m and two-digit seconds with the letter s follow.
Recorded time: 4h04
